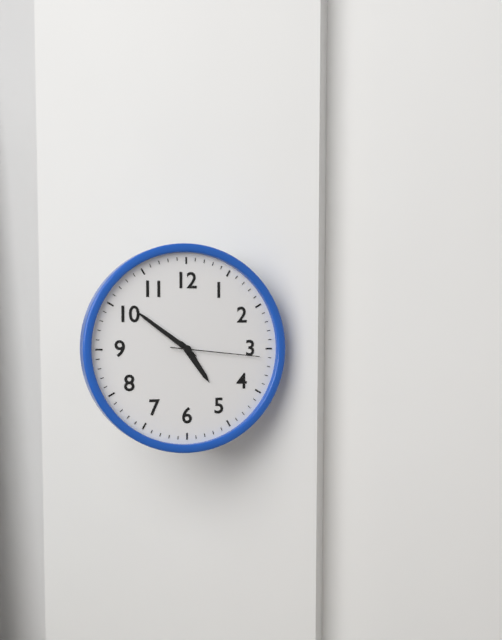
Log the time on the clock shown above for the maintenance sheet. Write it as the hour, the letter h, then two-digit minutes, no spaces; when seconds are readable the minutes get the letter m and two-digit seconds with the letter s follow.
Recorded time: 4h51m16s
